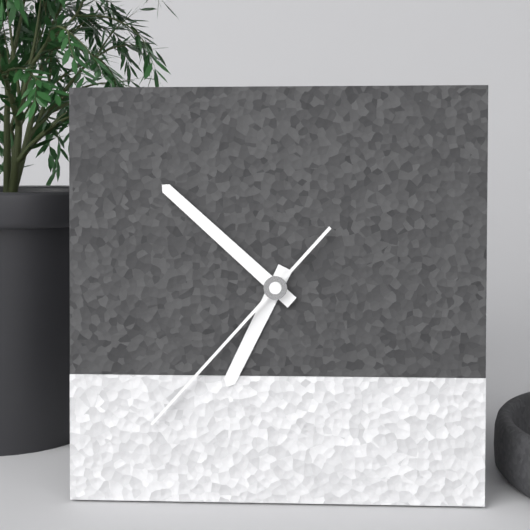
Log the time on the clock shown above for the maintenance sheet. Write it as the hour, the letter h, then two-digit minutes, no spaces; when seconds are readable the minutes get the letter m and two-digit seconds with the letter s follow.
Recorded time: 6h52m37s
